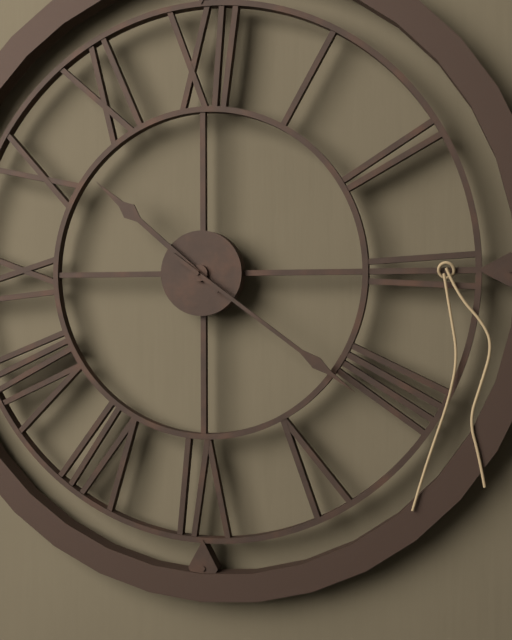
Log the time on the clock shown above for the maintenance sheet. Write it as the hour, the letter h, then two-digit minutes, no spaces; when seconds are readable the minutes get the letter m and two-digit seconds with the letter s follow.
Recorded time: 10h21
